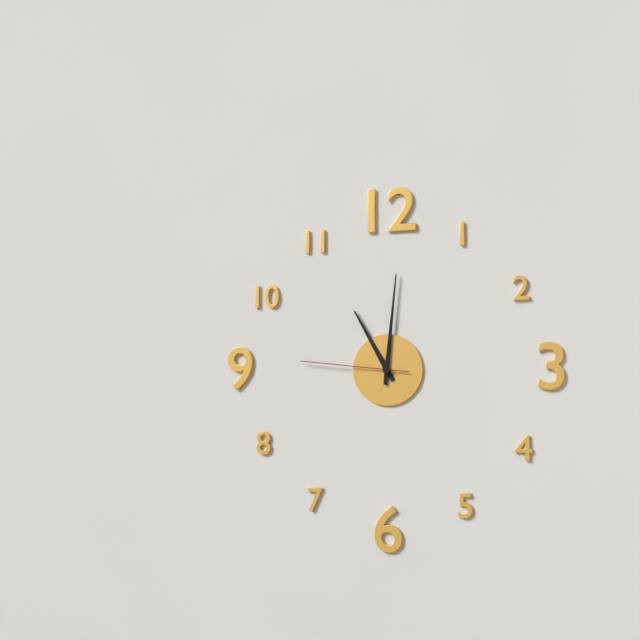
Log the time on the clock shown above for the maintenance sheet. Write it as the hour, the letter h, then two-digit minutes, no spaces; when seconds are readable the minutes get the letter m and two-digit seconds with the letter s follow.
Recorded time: 11h01m46s
